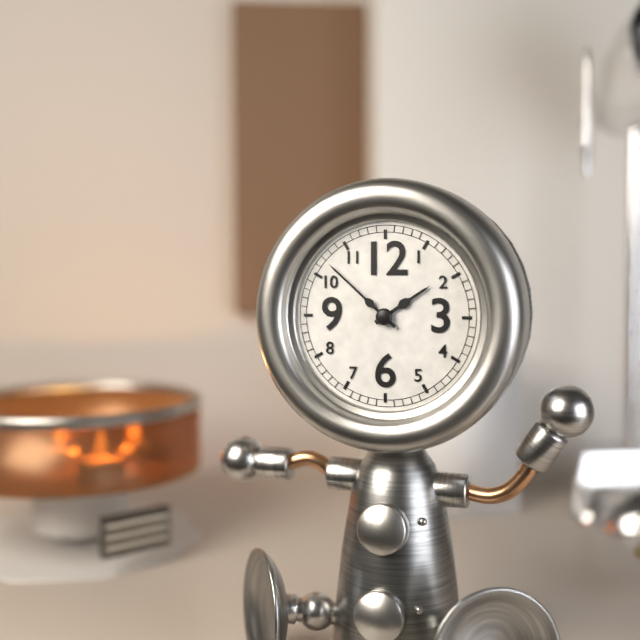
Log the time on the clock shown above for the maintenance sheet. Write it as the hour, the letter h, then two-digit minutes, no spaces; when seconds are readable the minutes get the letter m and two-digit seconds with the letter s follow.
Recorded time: 1h52
